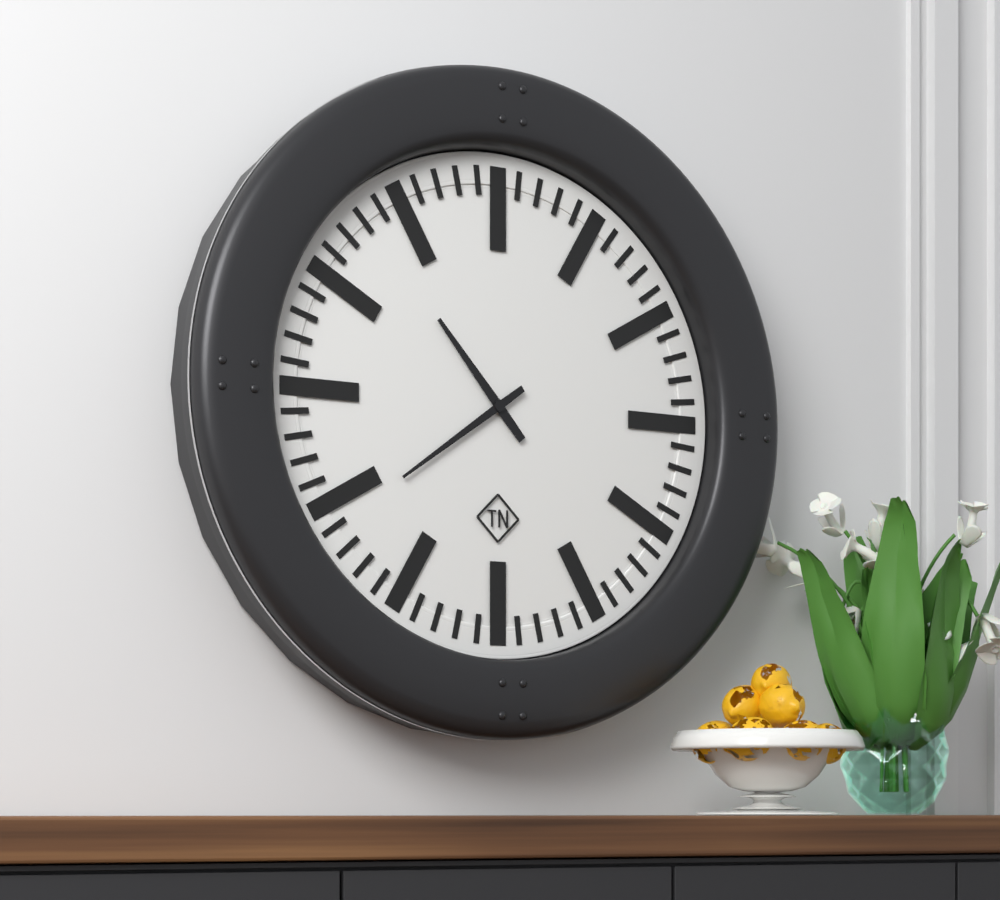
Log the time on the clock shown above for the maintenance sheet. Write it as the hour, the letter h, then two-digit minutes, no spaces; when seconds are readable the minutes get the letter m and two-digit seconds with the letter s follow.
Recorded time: 10h39
